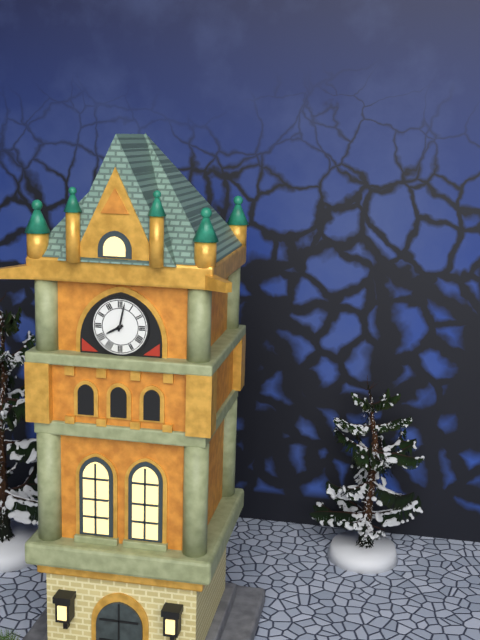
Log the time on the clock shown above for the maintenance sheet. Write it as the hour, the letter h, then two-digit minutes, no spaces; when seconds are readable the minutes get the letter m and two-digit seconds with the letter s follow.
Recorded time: 8h02
